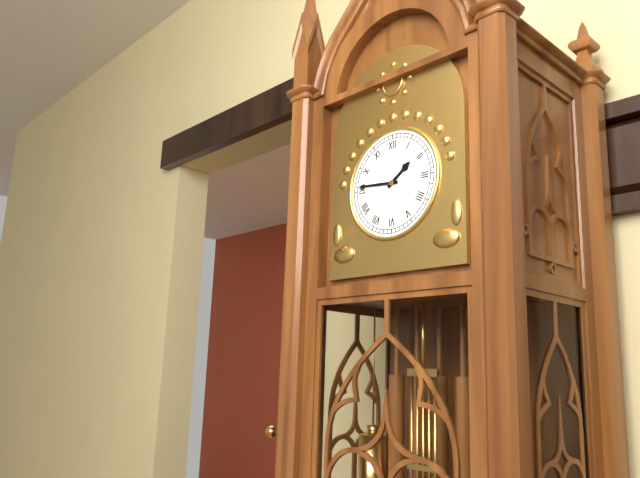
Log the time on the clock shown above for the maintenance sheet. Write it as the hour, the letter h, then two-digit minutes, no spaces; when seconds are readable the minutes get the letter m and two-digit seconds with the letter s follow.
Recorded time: 1h46
